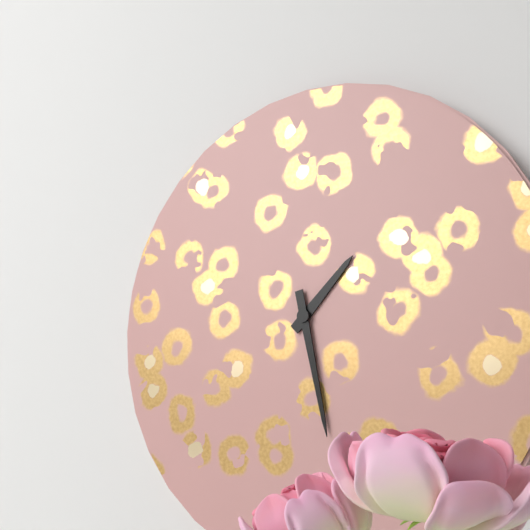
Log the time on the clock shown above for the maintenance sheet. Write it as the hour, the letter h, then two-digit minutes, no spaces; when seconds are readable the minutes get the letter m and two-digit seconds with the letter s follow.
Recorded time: 1h28
